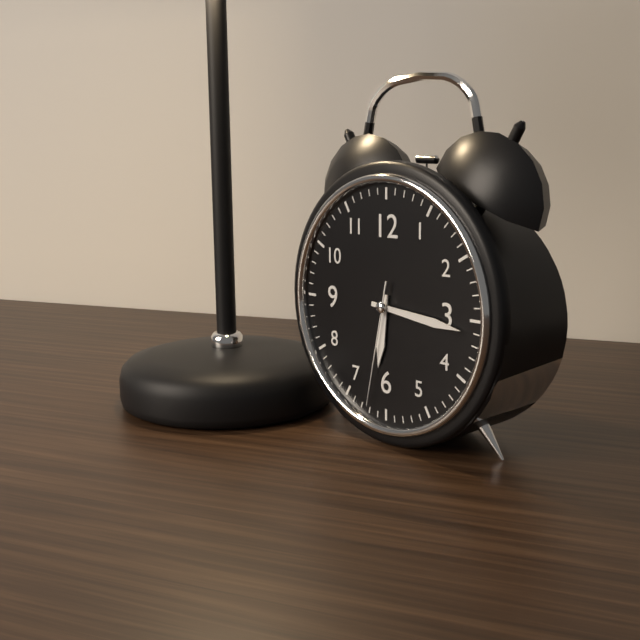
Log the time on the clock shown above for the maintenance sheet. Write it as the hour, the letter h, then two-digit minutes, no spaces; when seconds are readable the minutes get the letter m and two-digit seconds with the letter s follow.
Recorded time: 6h16m32s
